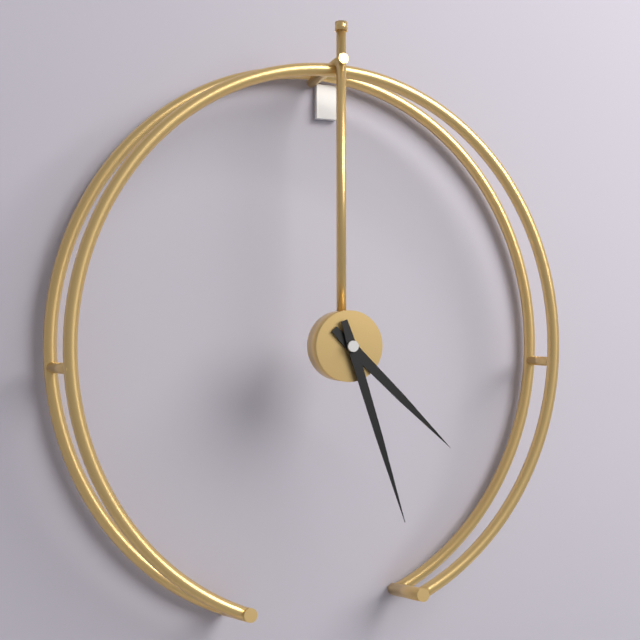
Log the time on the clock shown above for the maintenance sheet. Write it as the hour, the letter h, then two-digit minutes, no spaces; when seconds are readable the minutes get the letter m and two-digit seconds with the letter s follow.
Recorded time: 4h27
